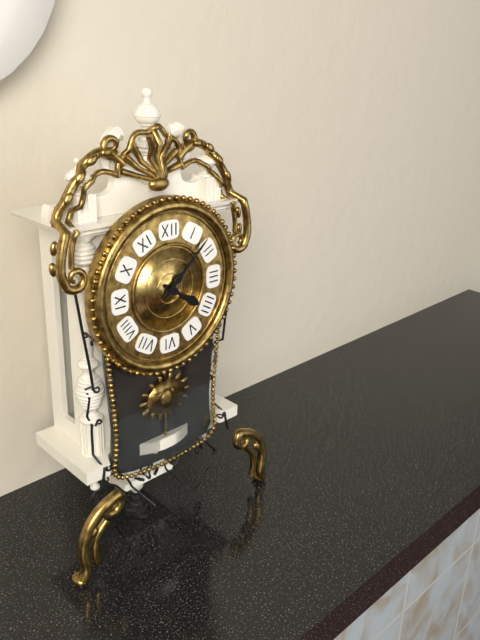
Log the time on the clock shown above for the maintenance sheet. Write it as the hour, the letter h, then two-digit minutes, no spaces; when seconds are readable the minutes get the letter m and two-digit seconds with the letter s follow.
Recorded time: 4h08
